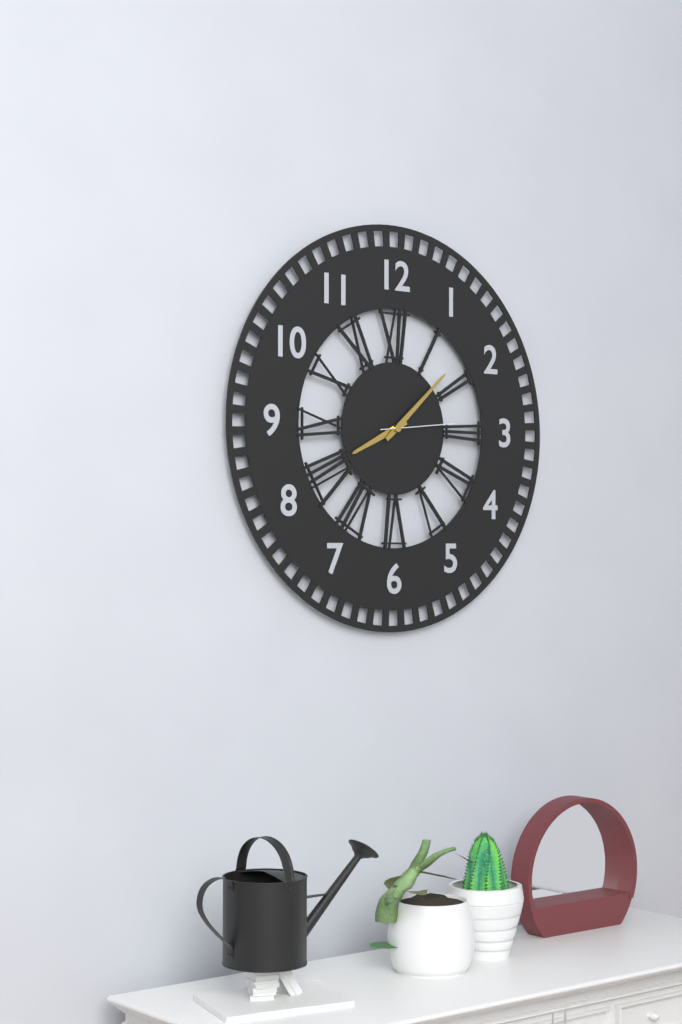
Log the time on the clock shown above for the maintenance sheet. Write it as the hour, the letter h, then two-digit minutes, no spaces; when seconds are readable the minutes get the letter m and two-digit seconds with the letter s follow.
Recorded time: 8h08m14s
